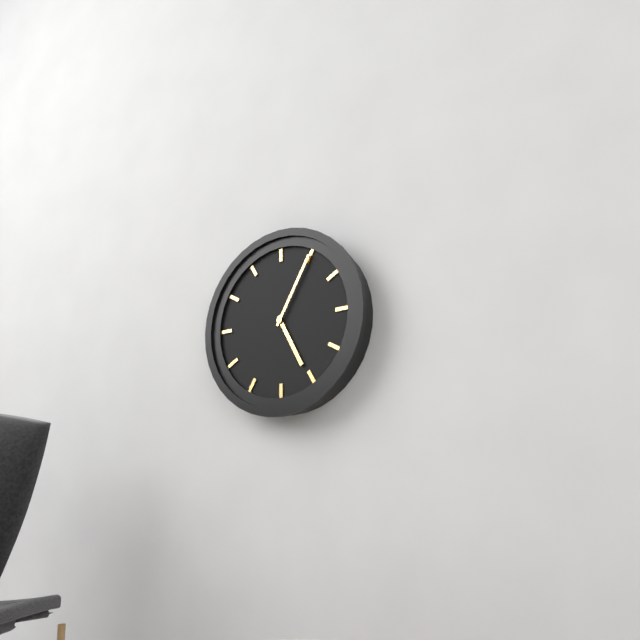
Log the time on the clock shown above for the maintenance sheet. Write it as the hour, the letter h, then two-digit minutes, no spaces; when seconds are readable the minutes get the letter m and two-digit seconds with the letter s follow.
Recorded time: 5h05
